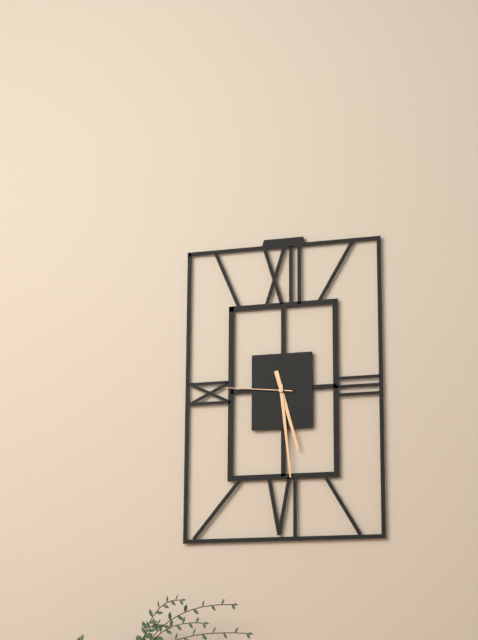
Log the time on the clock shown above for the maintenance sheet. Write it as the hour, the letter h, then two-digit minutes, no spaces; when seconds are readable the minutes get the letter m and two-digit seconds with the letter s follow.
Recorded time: 5h29m46s
